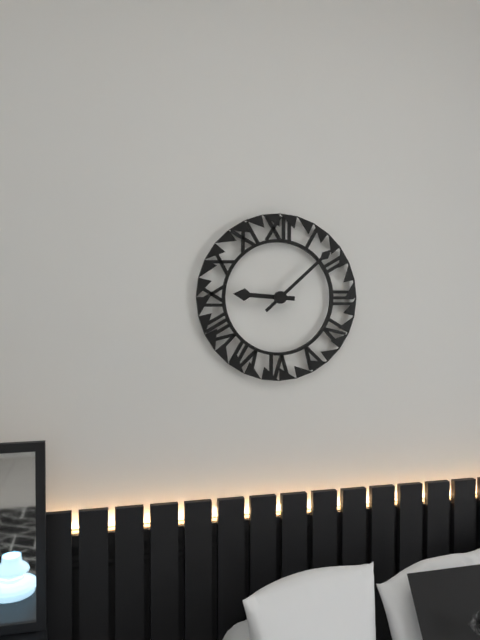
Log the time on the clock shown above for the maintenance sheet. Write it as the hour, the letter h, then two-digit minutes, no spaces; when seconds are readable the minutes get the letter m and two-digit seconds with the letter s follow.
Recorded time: 9h08
